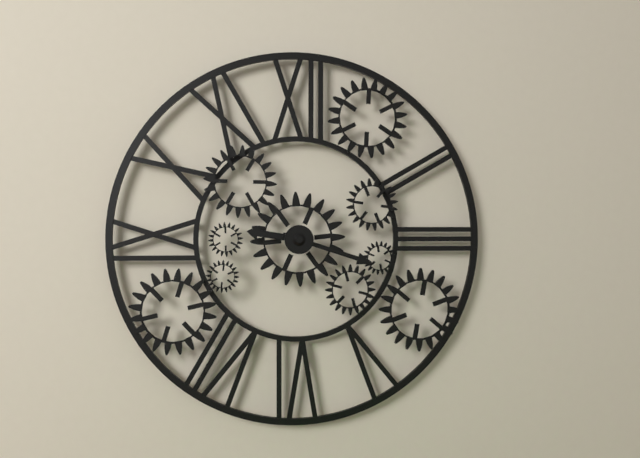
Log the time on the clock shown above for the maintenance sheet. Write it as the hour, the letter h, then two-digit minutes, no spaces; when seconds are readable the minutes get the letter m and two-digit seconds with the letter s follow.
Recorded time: 9h18
